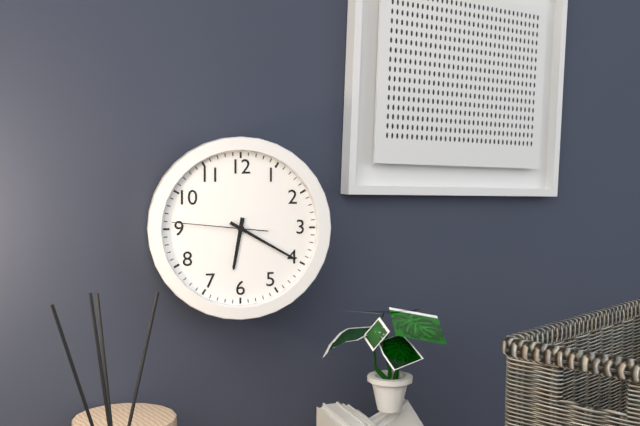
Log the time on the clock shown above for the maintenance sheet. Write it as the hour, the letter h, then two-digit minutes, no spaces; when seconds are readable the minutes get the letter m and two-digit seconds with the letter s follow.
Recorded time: 6h20m46s
